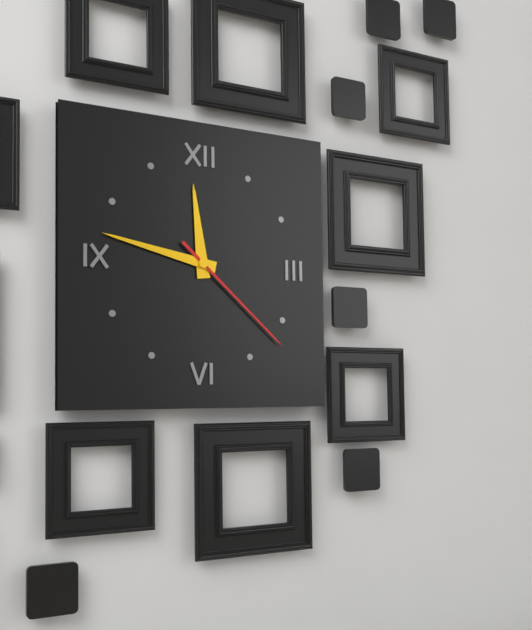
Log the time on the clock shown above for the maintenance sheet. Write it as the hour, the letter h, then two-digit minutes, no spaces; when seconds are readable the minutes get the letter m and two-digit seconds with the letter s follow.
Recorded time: 11h47m22s
